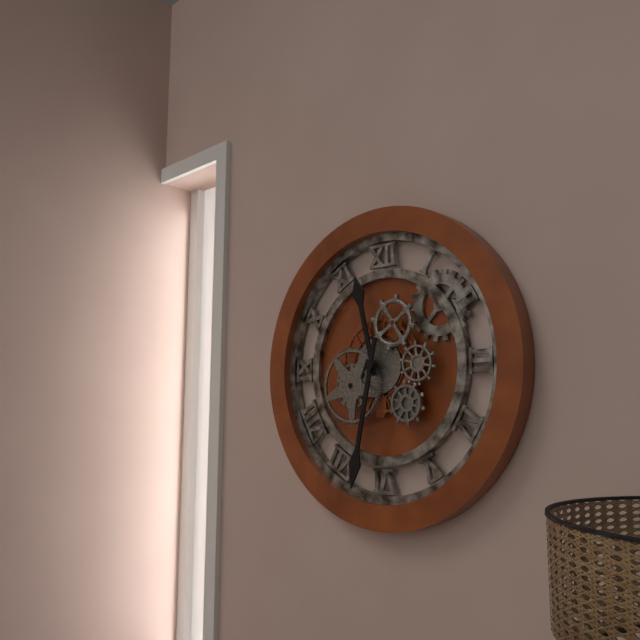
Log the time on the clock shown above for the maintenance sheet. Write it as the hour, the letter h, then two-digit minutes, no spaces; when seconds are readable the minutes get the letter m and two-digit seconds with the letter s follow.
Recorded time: 11h32
